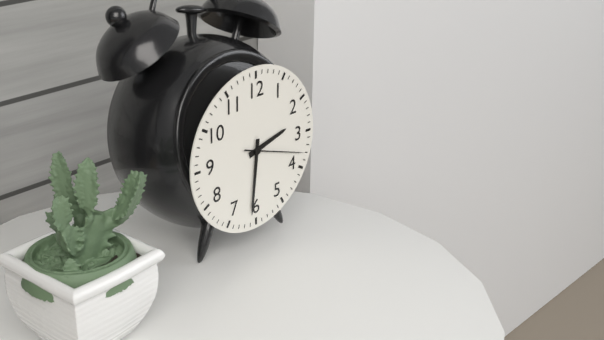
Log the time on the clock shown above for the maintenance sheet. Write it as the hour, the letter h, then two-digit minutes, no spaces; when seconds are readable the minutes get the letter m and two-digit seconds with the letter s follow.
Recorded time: 2h31m18s
